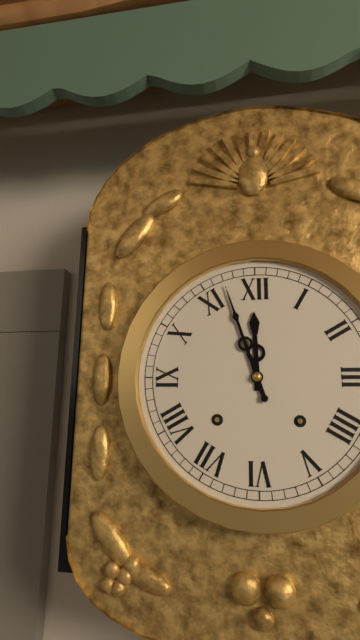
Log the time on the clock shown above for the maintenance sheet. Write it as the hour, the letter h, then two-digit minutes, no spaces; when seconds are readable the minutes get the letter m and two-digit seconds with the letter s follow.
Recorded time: 11h57
